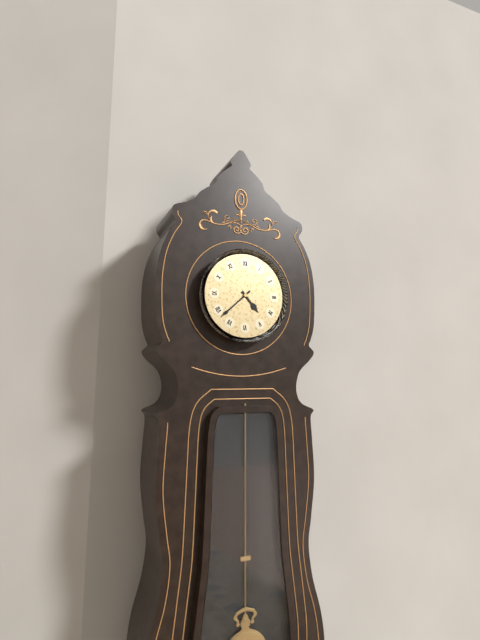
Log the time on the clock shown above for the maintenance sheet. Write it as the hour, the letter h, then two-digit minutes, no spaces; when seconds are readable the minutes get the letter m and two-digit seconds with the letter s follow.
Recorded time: 4h38
